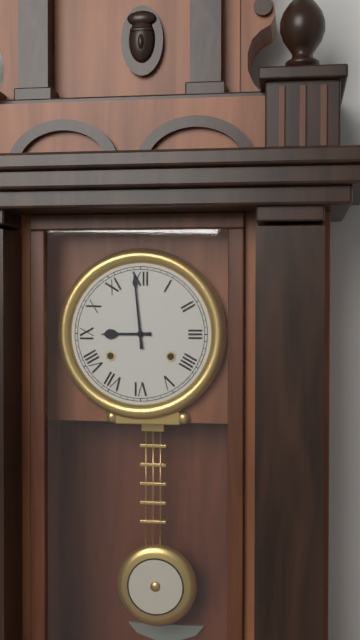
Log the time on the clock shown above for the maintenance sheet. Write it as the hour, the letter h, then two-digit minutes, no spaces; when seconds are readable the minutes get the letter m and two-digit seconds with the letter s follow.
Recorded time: 8h59
